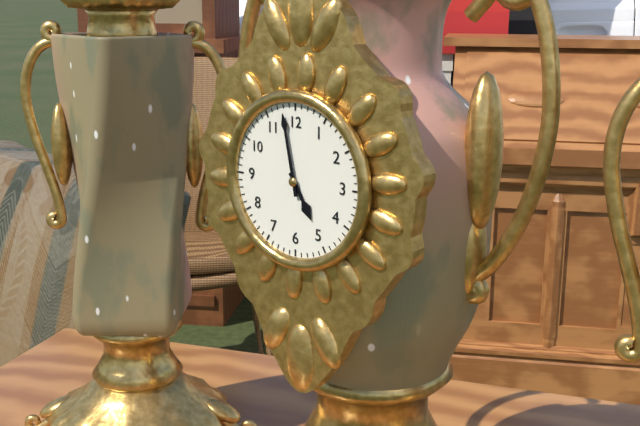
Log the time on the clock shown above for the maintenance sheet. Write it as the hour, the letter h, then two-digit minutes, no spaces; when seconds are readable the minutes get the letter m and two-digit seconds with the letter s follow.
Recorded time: 4h58
